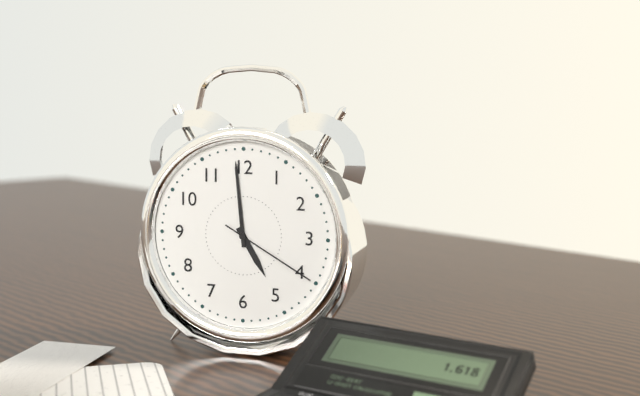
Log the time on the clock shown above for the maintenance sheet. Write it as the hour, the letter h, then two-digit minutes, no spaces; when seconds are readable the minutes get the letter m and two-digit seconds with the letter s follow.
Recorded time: 4h59m20s
